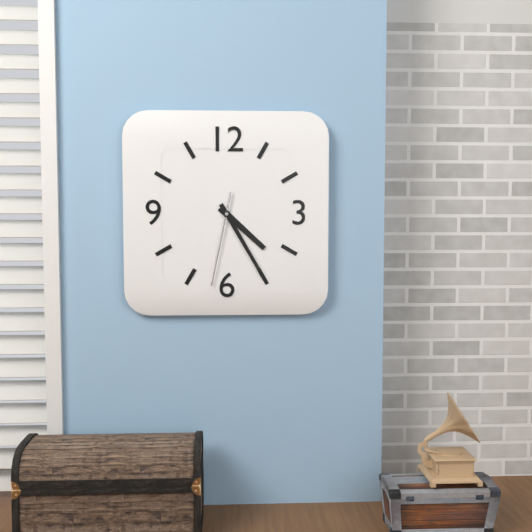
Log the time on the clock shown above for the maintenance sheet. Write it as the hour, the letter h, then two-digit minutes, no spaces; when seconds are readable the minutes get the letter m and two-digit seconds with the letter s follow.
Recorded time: 4h25m32s
